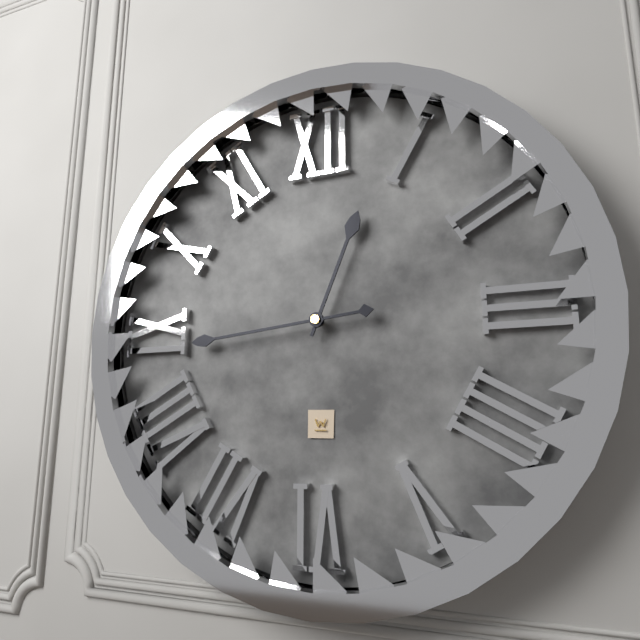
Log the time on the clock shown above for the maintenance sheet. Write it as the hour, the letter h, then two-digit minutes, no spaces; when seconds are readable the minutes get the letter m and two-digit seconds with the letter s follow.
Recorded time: 12h44
